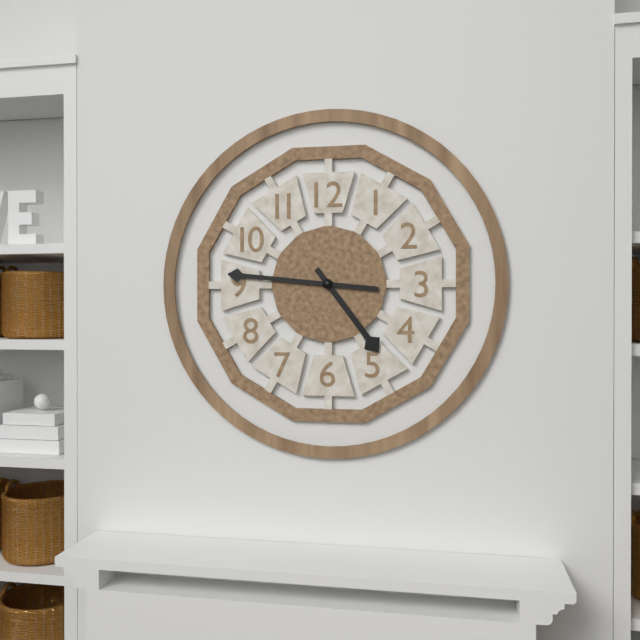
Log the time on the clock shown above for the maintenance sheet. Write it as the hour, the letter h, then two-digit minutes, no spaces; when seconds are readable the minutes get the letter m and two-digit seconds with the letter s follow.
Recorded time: 4h46
